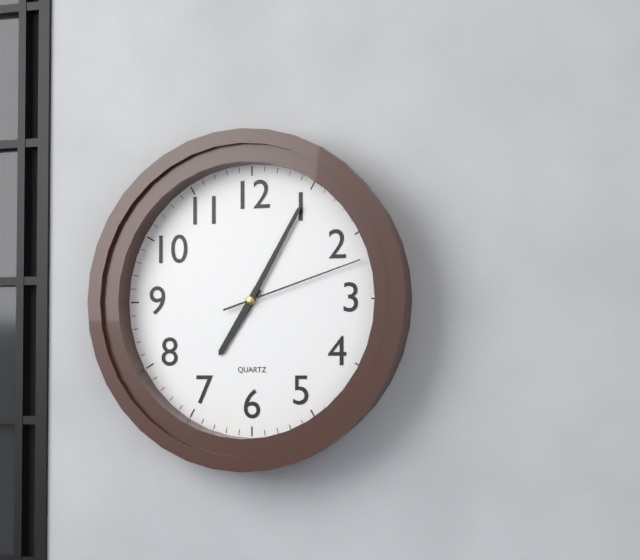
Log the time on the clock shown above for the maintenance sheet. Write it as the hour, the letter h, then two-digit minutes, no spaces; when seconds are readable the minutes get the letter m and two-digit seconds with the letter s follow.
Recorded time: 7h05m12s
